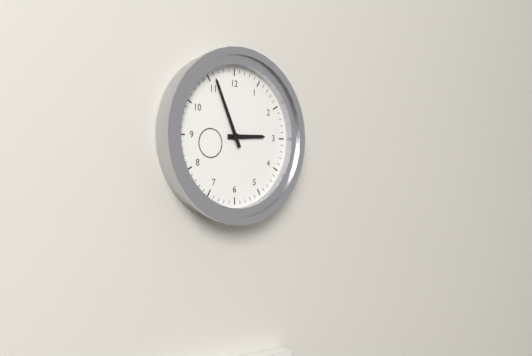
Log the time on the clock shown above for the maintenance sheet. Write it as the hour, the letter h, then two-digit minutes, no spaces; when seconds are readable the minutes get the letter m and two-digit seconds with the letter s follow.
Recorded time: 2h56
